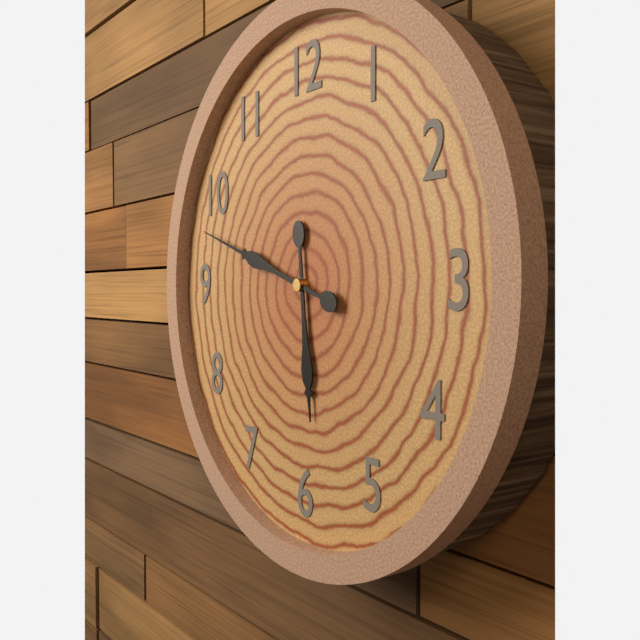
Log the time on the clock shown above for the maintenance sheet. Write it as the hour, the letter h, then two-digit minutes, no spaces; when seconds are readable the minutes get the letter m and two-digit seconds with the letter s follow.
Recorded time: 5h48
